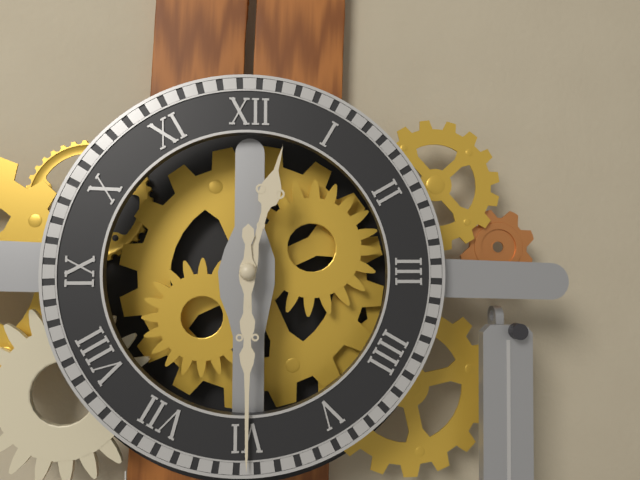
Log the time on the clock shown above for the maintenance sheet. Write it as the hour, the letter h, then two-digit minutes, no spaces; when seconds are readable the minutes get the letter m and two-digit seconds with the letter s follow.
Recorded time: 12h30
